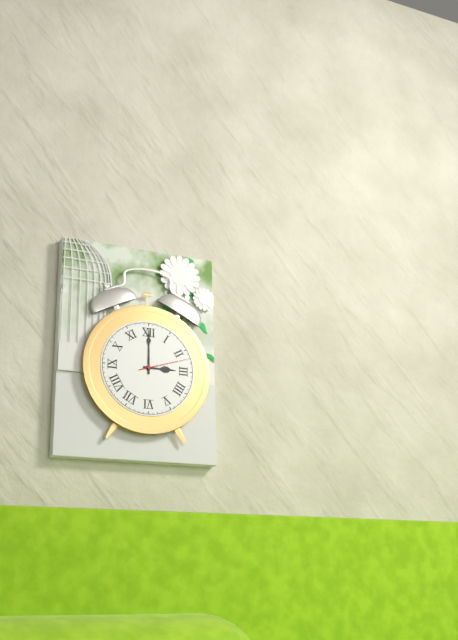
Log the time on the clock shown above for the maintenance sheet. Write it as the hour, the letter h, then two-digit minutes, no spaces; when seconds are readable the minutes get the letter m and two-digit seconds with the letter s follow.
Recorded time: 3h00m12s
